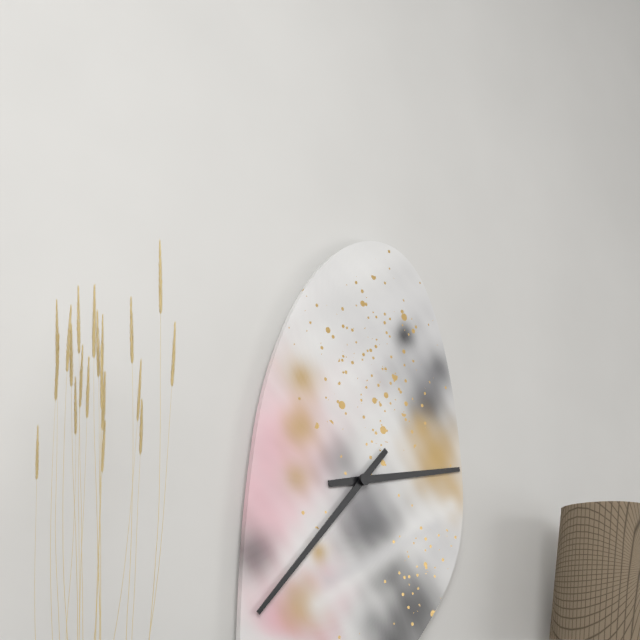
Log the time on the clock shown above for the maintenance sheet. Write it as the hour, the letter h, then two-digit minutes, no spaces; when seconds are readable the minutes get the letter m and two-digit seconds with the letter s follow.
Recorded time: 2h37
